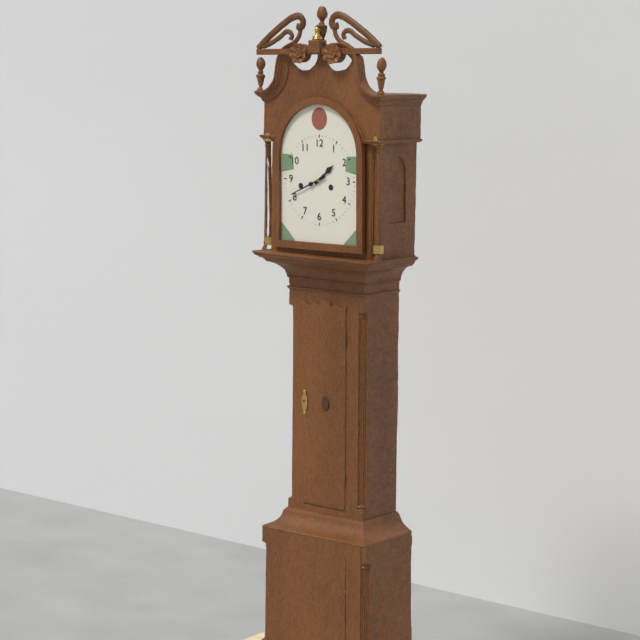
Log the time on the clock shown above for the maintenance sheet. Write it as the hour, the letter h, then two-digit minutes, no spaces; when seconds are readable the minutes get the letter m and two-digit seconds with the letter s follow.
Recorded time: 1h41
